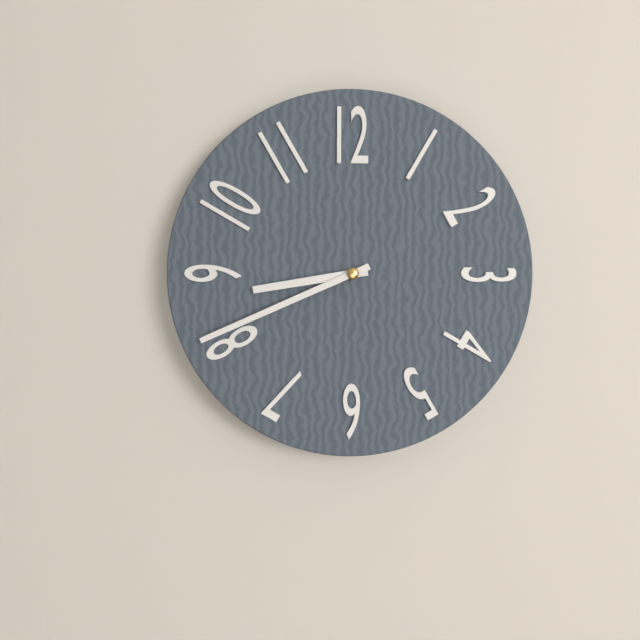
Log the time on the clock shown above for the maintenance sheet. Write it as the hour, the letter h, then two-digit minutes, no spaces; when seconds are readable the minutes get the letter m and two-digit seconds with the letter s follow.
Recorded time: 8h41
